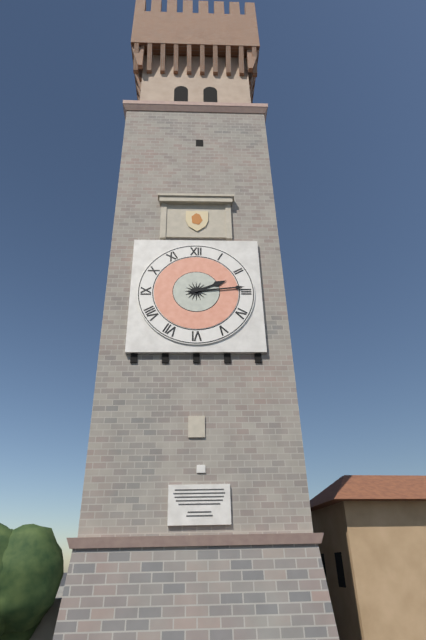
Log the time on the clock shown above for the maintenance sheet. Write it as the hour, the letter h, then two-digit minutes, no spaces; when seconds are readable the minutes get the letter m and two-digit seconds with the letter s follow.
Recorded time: 2h14
